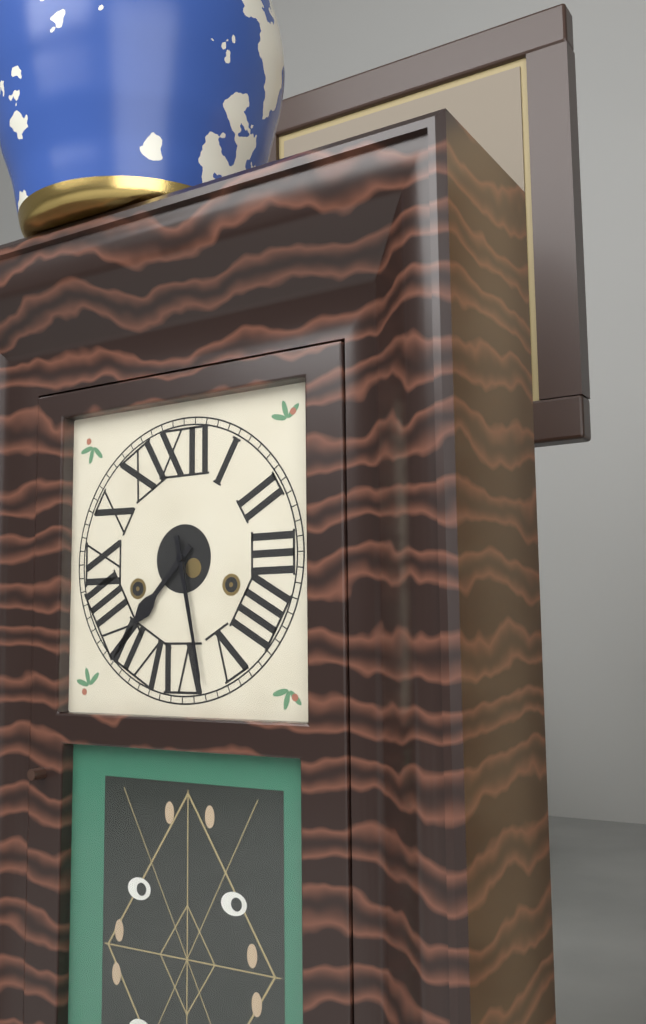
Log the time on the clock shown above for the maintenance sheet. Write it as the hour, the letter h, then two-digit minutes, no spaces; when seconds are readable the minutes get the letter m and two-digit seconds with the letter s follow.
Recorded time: 7h28
